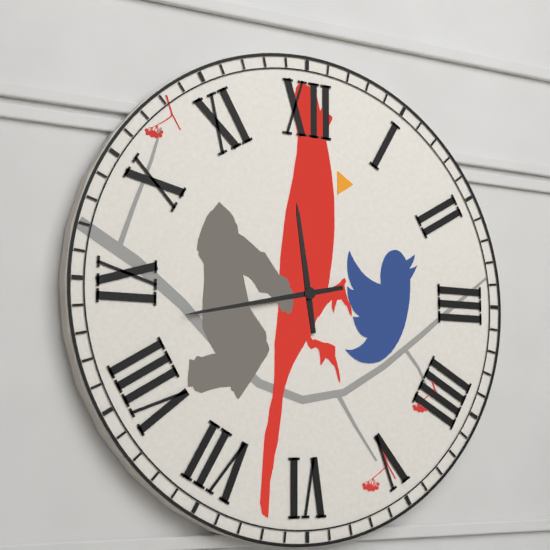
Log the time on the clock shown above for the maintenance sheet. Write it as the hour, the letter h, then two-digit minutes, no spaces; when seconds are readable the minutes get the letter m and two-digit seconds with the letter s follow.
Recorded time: 11h43
